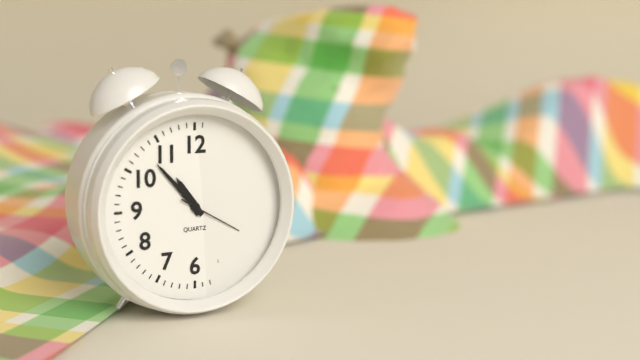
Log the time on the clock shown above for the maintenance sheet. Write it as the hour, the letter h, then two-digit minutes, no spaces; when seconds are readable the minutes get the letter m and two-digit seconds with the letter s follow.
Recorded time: 10h53m20s
